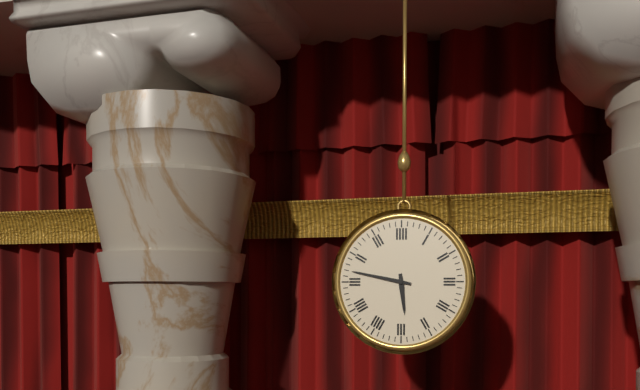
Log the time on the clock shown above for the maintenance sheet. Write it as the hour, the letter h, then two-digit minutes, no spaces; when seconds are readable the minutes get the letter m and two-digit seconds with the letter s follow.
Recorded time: 5h47
